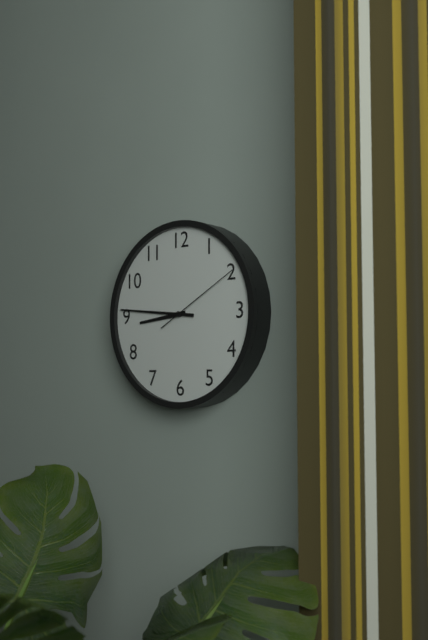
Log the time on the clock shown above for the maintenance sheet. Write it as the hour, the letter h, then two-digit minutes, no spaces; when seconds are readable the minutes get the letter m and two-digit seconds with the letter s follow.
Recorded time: 8h46m10s
